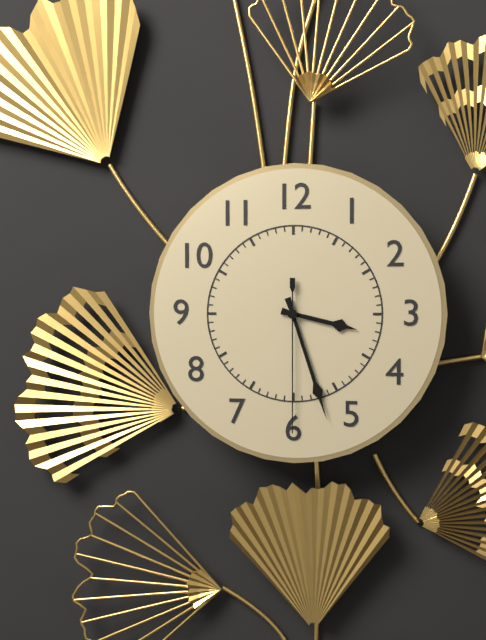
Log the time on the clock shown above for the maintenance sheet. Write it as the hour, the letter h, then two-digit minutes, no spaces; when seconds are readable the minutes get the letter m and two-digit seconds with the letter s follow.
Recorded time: 3h27m30s
